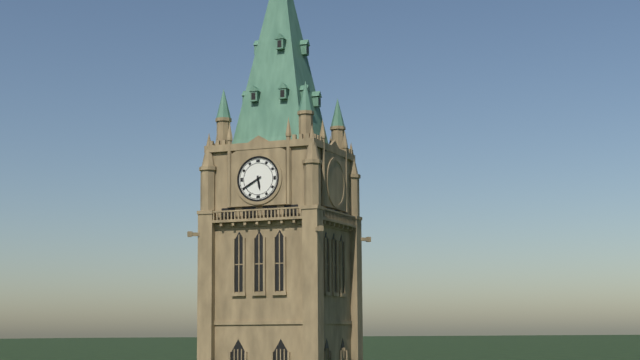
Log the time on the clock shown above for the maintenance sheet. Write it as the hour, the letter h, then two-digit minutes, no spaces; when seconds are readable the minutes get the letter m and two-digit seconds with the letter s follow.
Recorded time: 5h40
